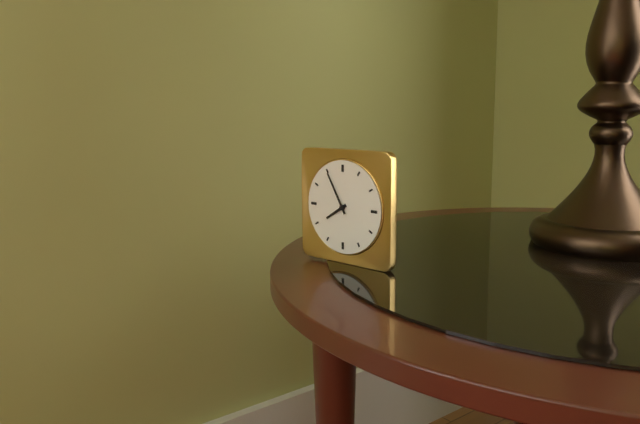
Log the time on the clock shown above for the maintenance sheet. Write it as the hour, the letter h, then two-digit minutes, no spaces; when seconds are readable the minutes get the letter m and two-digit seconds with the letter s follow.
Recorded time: 7h55
